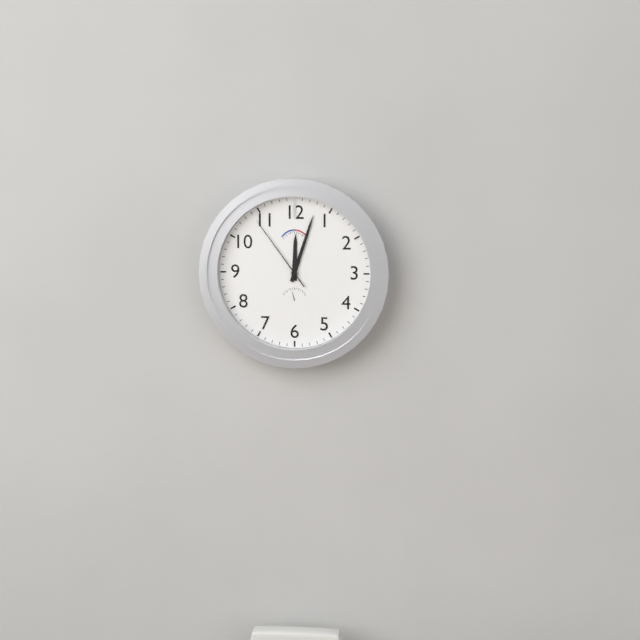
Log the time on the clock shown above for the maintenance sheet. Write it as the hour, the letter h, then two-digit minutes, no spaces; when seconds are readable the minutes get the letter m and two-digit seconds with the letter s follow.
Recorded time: 12h03m54s
